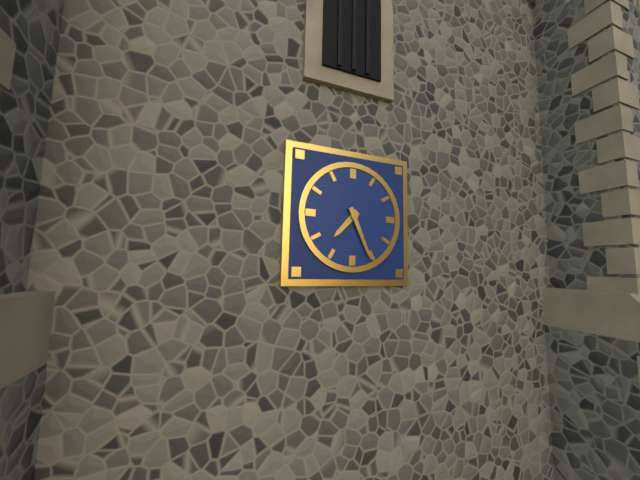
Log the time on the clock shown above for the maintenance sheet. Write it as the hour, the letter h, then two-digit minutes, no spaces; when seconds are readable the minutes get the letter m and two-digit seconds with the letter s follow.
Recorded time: 7h26
